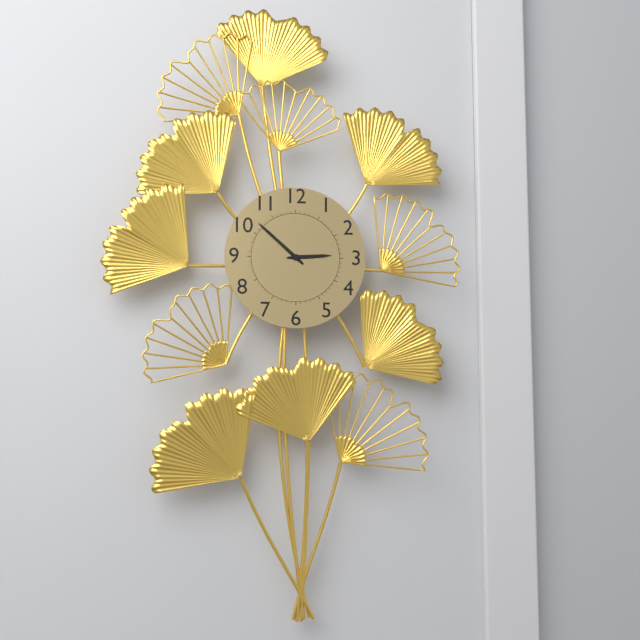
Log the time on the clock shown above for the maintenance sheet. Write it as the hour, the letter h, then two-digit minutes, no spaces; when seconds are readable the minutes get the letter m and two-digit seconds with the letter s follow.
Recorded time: 2h52
